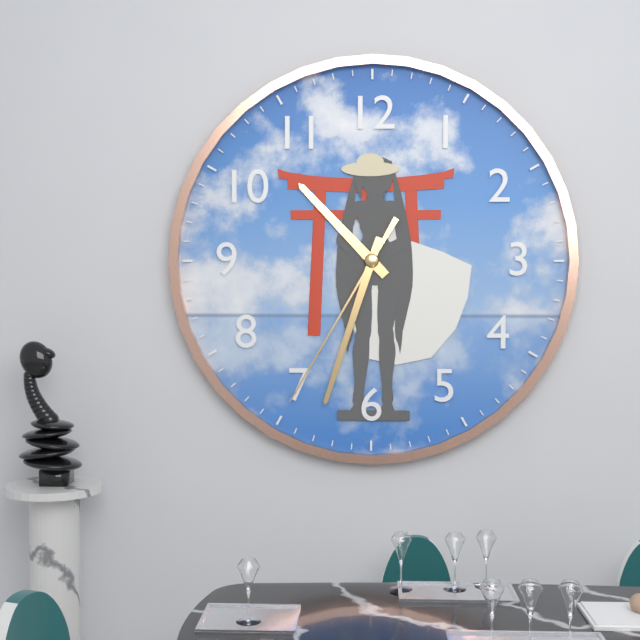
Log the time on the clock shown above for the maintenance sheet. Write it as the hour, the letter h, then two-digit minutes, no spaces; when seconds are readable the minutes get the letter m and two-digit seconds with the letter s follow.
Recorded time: 10h33m35s
